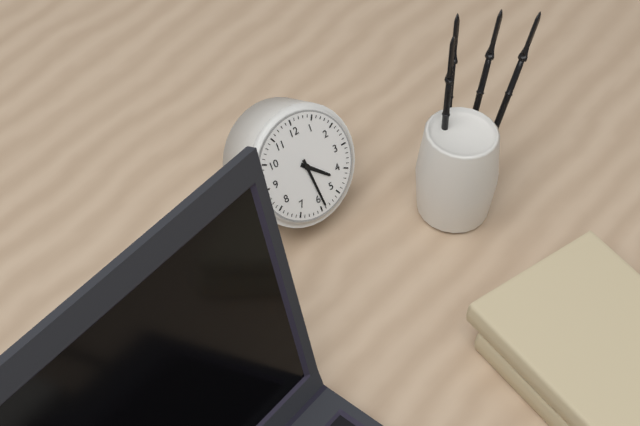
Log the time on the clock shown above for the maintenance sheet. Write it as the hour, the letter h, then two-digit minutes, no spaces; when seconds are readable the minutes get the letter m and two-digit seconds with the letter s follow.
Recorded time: 4h29
